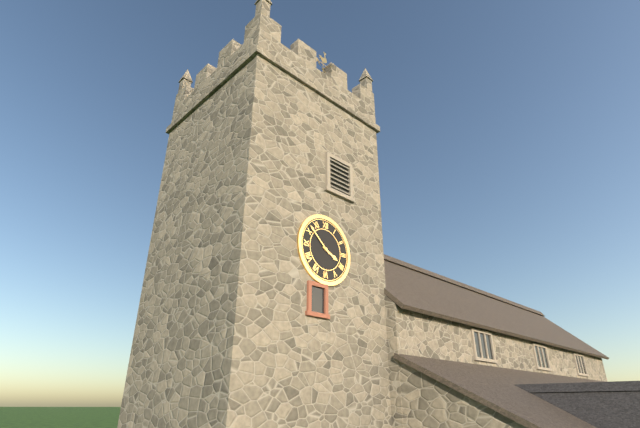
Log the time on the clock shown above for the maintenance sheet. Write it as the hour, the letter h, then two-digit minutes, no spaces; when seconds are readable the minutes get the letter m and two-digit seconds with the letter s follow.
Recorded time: 3h52
